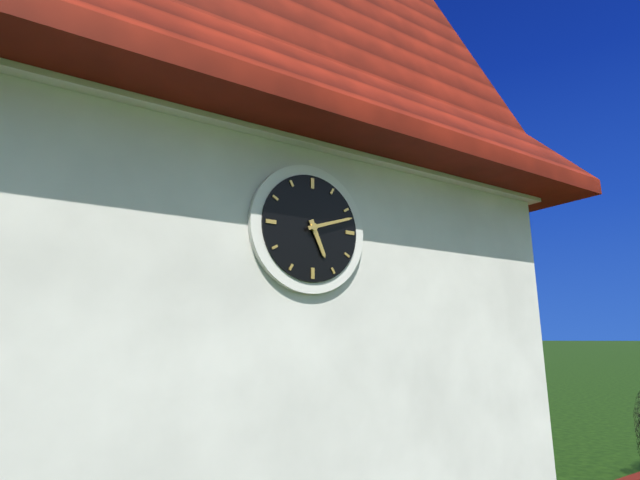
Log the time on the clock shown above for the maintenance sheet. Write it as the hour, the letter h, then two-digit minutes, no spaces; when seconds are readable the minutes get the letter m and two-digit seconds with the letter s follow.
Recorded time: 5h12
